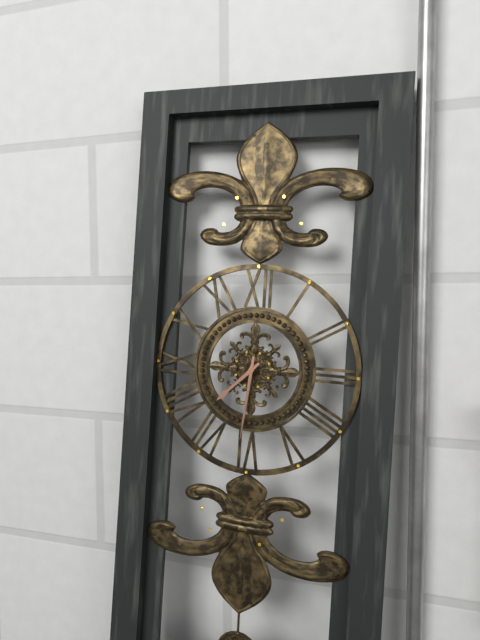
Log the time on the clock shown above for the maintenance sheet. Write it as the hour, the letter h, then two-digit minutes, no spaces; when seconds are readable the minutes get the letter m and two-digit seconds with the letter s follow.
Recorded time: 7h31
